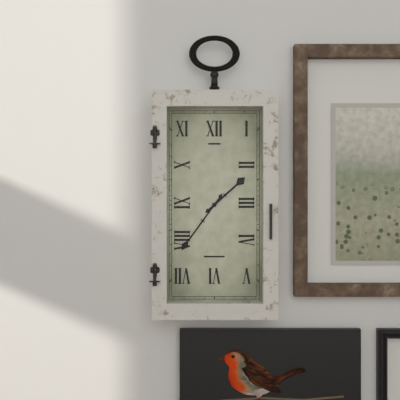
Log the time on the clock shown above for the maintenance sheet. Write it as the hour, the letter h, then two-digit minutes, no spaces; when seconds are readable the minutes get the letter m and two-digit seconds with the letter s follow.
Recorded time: 1h36
